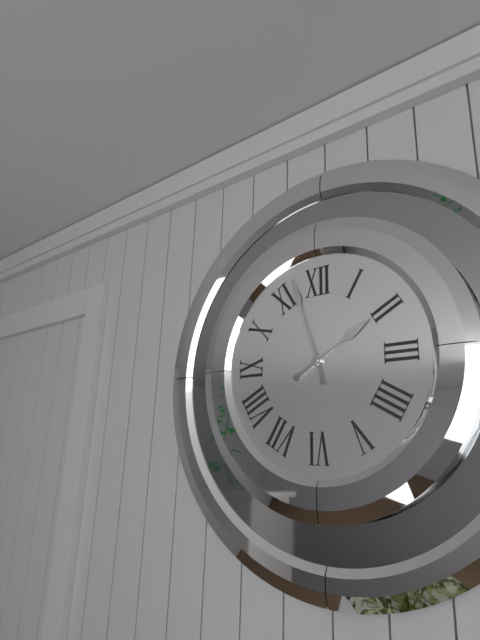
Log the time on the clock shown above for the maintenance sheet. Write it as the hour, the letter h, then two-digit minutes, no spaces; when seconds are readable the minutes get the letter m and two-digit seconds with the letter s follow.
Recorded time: 1h57
